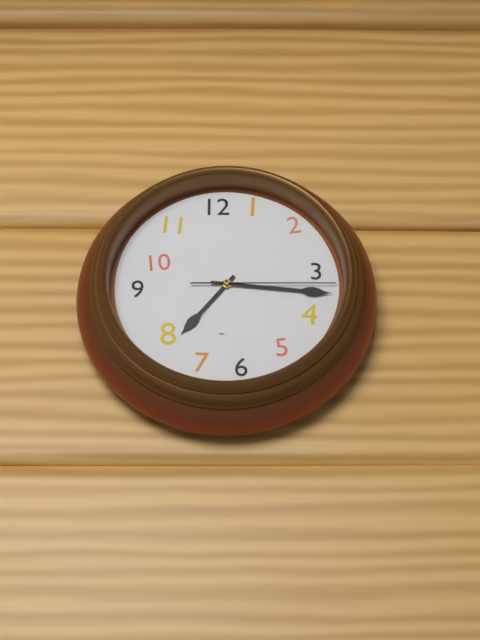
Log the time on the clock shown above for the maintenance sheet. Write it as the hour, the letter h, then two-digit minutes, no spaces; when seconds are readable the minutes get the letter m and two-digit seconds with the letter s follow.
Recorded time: 7h16m15s
